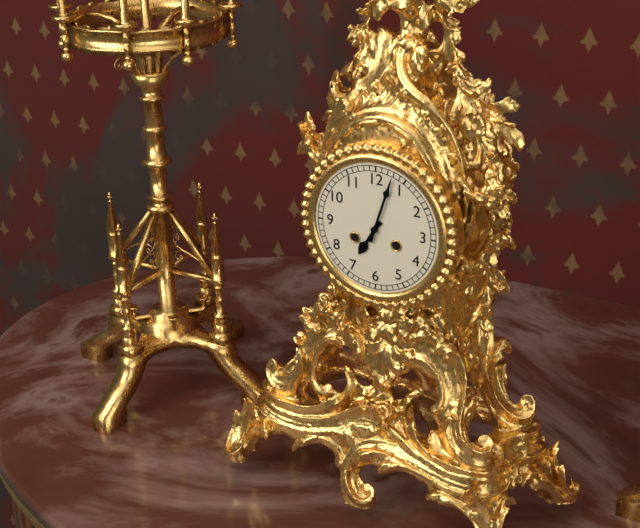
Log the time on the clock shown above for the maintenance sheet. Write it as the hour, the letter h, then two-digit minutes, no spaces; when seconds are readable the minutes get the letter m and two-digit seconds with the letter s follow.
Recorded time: 7h03
